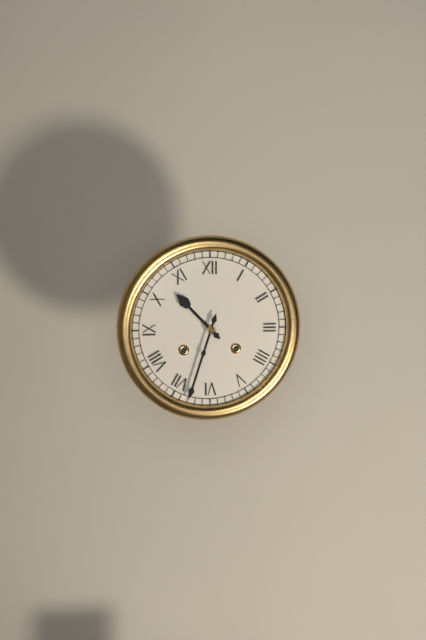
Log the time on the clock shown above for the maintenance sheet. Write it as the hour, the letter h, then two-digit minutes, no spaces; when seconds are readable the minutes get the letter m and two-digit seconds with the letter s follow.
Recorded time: 10h33
